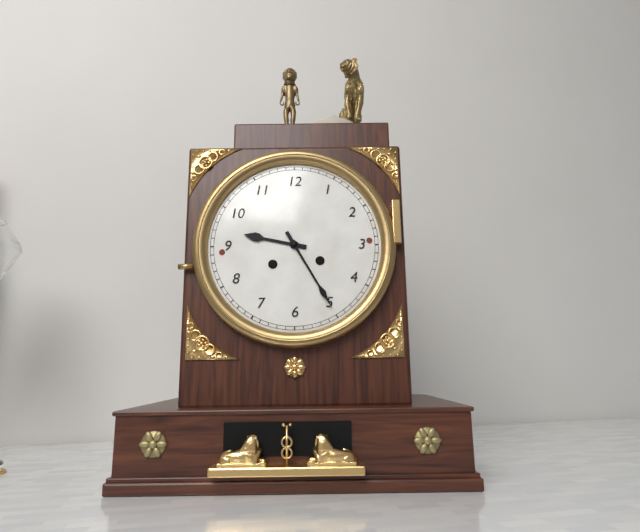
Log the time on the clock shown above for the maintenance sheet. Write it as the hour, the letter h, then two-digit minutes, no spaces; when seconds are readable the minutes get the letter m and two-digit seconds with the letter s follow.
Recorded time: 9h25
